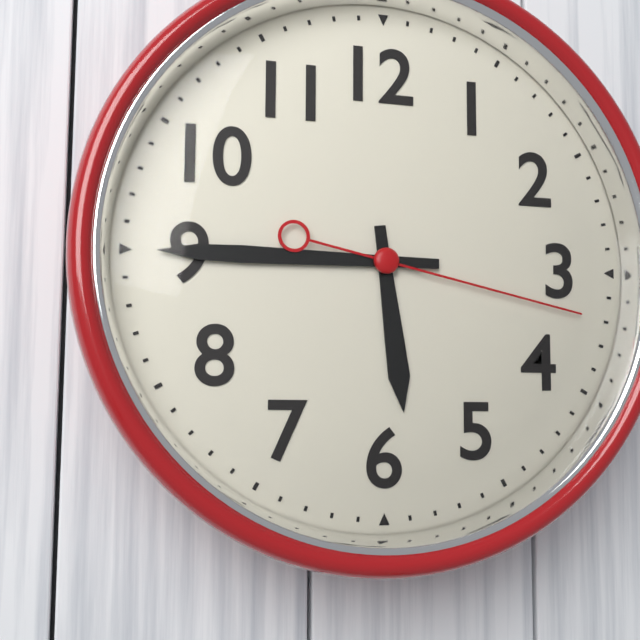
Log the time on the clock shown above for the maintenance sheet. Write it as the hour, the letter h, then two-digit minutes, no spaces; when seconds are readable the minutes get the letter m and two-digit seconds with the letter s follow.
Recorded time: 5h45m17s
